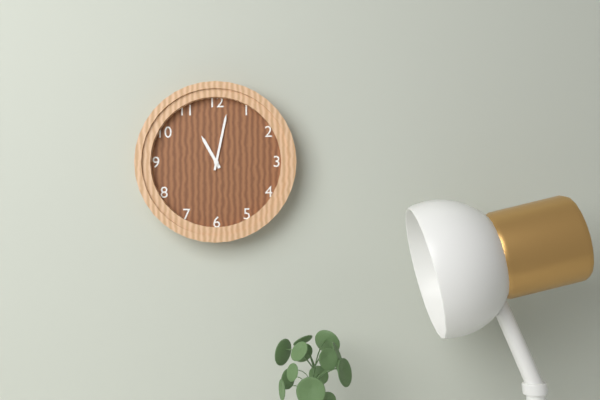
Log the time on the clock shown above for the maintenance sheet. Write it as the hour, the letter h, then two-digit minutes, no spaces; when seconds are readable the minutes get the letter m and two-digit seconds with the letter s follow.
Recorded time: 11h02
